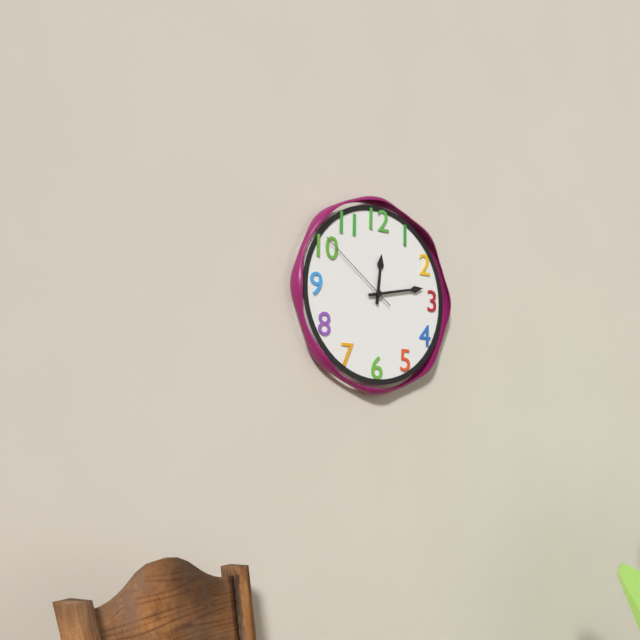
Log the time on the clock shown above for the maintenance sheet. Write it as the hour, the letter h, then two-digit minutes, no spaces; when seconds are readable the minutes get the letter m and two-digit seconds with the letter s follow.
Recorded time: 12h13m51s
